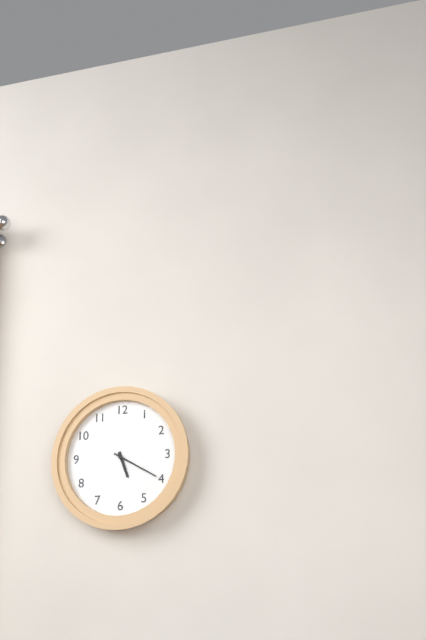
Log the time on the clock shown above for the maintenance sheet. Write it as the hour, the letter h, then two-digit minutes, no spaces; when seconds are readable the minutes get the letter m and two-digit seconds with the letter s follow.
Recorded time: 5h20
